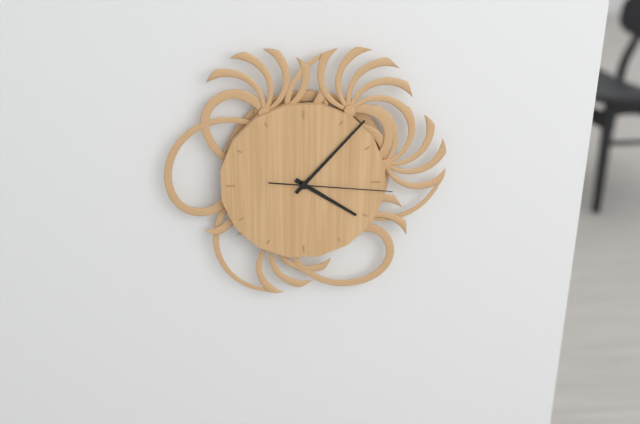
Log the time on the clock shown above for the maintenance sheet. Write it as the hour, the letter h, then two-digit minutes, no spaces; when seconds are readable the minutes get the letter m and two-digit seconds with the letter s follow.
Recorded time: 4h07m16s
